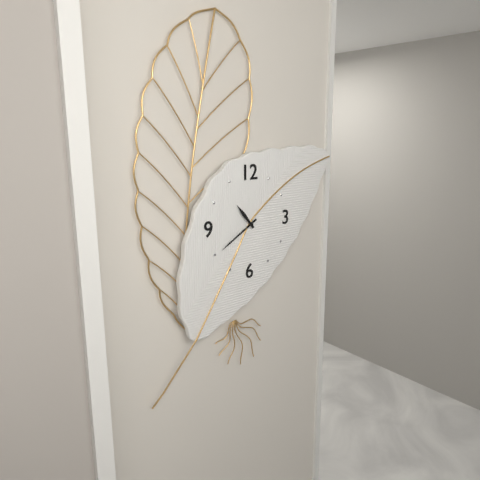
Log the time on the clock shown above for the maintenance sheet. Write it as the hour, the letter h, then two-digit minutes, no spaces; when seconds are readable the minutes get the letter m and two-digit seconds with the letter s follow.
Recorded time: 10h40
